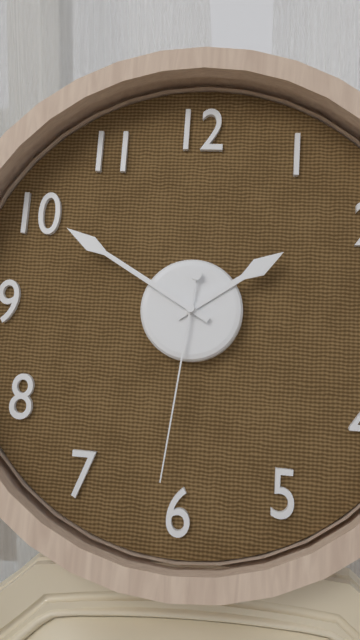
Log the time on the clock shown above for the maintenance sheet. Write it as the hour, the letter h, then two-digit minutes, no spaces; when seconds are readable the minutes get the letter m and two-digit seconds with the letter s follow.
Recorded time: 1h50m31s
